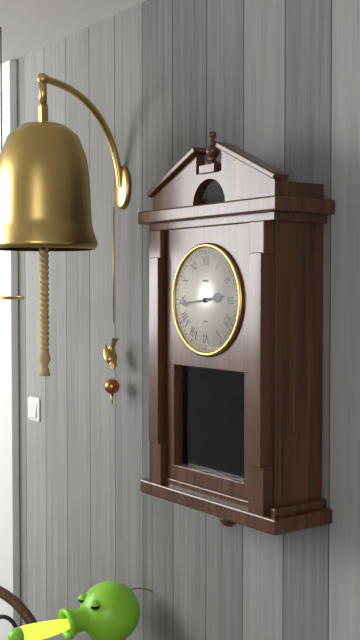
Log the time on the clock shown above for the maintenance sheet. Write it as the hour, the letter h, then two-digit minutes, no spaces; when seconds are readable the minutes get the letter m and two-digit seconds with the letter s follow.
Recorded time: 2h44
